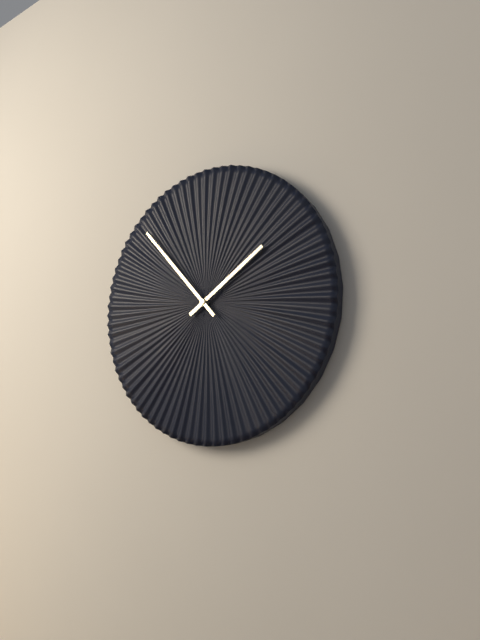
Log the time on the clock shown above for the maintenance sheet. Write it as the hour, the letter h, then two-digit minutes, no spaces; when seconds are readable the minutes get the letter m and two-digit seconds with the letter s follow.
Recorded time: 1h53
